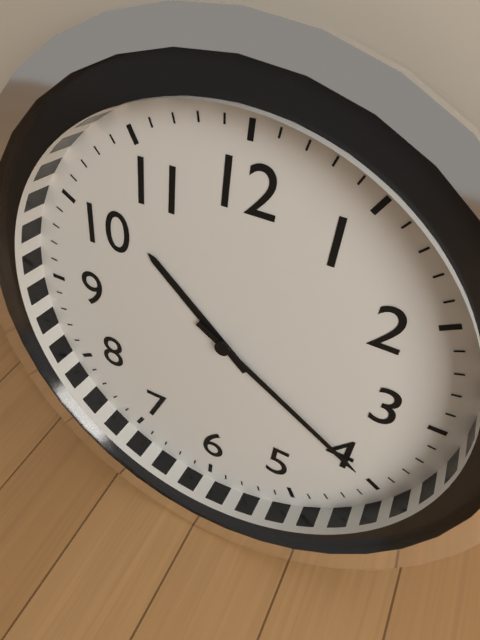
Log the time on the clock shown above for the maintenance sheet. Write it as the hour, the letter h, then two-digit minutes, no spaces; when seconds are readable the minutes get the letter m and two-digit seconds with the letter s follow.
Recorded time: 10h20
